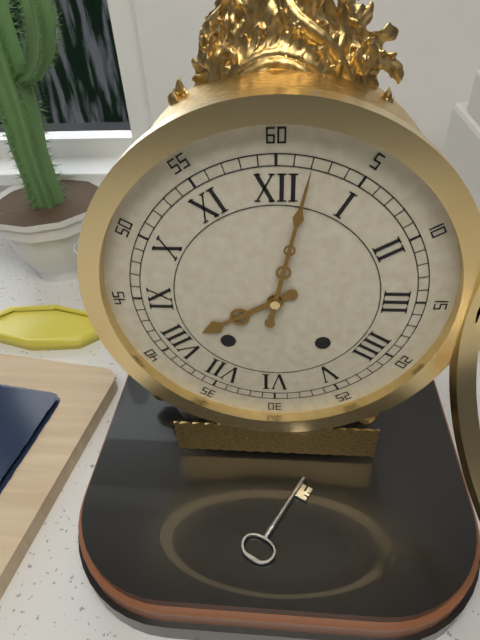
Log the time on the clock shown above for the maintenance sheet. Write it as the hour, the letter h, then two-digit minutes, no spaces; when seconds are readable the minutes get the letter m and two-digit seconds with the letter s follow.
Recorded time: 8h02
